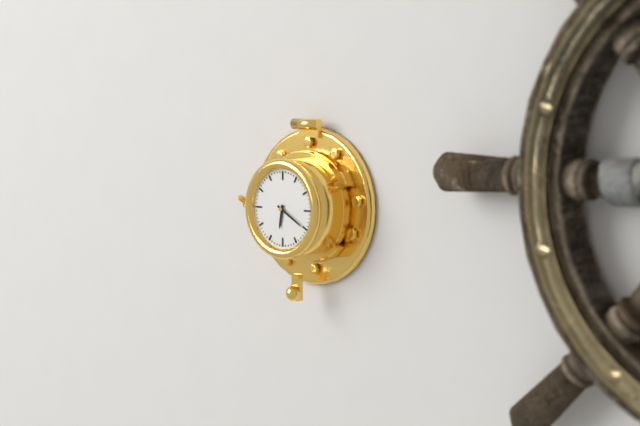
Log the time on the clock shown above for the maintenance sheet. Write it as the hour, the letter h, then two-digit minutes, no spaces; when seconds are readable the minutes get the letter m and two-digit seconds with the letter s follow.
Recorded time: 6h20
